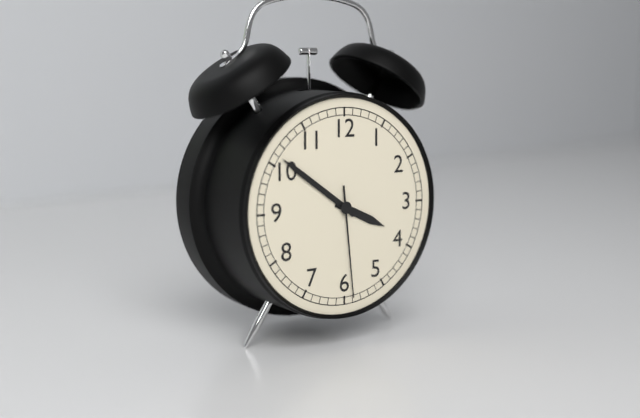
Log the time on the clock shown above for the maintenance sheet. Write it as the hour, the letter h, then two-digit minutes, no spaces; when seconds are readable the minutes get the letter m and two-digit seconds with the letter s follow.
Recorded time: 3h51m29s
